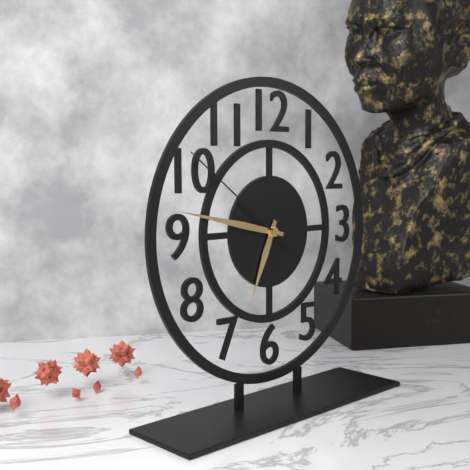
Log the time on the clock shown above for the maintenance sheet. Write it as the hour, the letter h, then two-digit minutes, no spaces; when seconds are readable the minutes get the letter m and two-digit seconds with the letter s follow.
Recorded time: 6h47m51s
